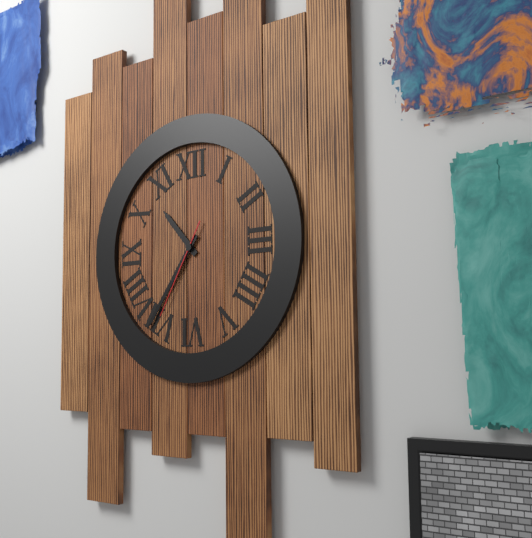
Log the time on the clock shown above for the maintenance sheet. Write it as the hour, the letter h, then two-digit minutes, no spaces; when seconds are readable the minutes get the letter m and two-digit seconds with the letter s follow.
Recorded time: 10h36m35s
